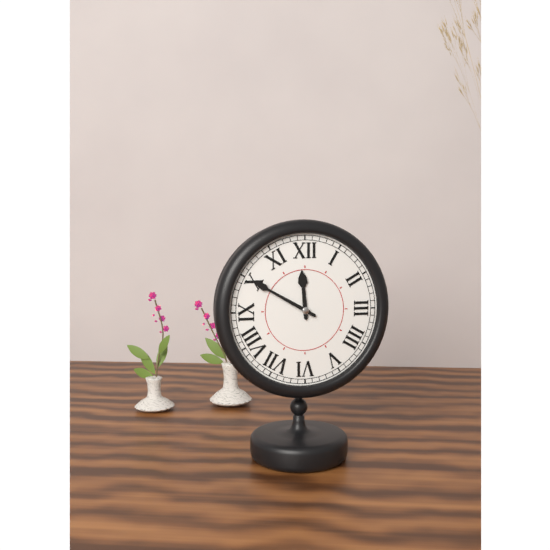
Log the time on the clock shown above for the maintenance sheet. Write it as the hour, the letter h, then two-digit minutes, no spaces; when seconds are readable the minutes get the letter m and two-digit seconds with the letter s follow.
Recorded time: 11h50
